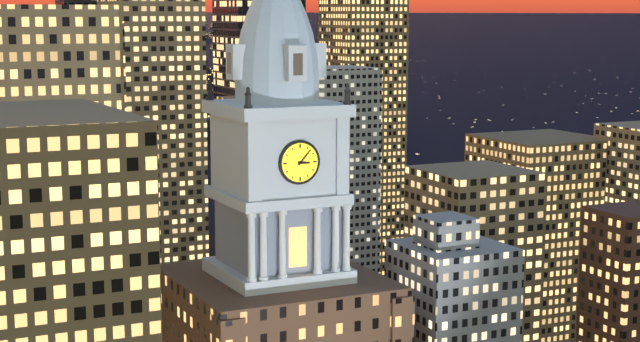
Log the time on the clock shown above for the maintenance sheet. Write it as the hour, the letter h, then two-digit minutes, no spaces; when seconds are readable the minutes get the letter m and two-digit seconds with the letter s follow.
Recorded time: 3h07
